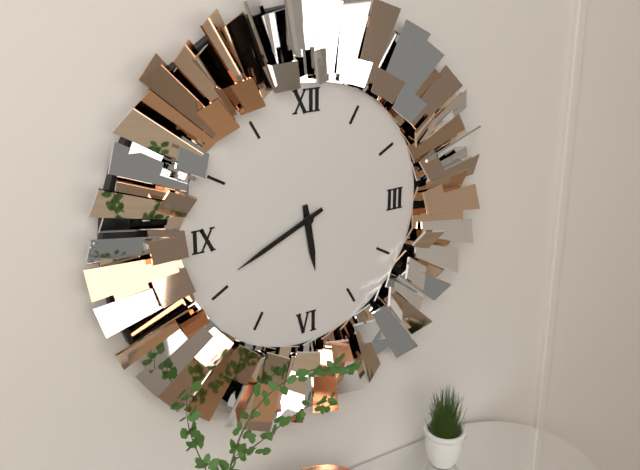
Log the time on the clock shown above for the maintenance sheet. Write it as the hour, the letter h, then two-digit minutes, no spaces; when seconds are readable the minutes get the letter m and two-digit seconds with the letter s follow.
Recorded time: 5h41
